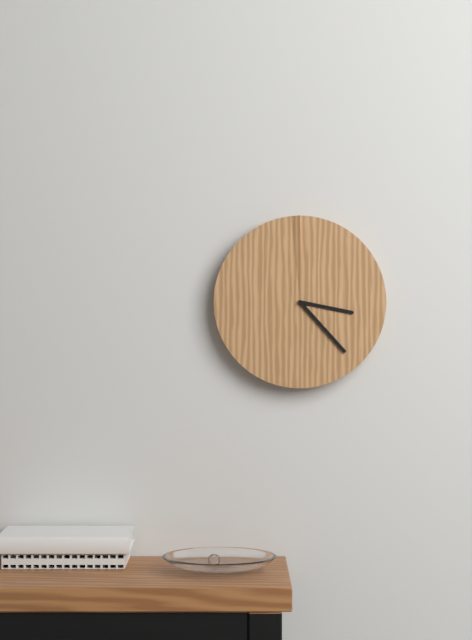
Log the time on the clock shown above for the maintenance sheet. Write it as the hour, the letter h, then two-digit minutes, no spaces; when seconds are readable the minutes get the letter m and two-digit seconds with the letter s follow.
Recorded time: 3h23
